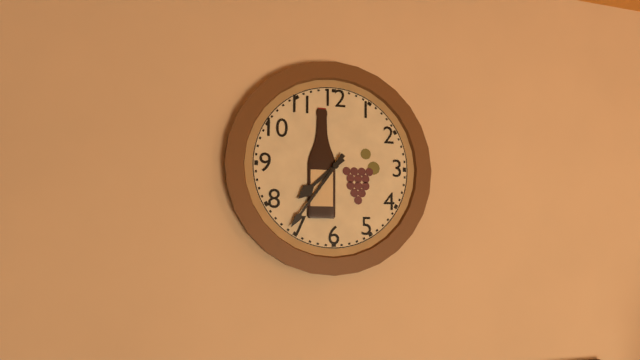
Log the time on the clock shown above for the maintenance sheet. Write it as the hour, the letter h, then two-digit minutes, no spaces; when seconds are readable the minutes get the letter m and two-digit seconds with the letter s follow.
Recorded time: 7h36
